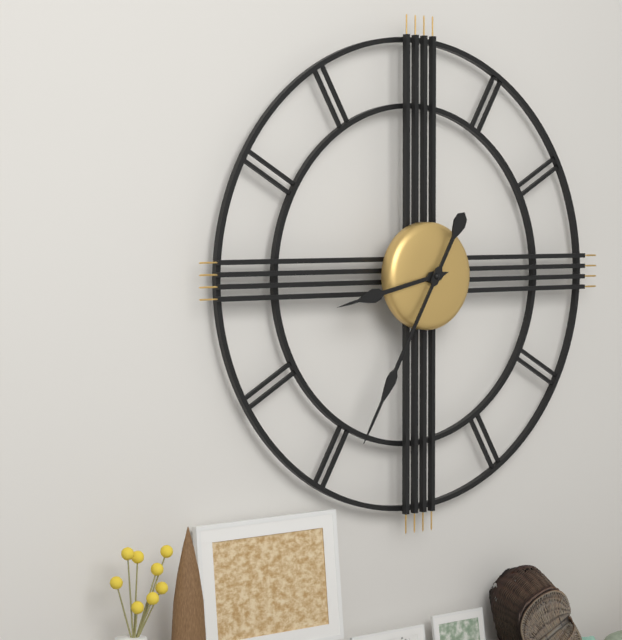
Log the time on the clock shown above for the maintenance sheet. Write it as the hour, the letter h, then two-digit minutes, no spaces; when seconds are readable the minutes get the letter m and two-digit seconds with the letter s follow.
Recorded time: 8h35
